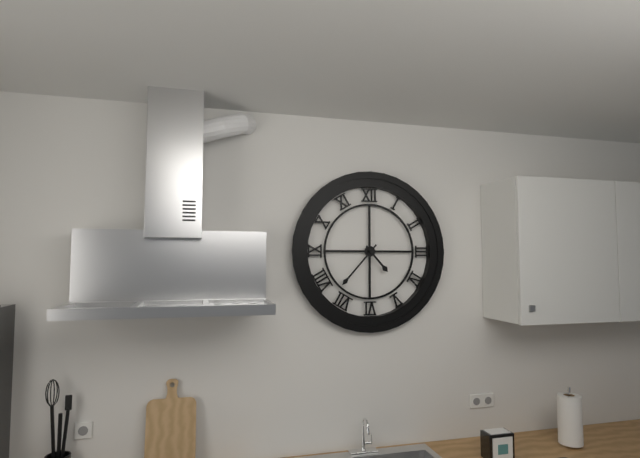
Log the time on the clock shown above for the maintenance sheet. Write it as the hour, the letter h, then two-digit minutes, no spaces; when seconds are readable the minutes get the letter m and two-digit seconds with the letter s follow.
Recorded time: 4h37
